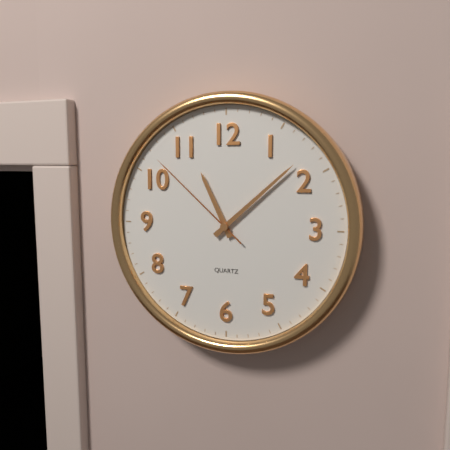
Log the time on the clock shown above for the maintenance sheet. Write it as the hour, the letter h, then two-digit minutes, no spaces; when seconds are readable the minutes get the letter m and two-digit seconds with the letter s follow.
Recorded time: 11h08m52s
